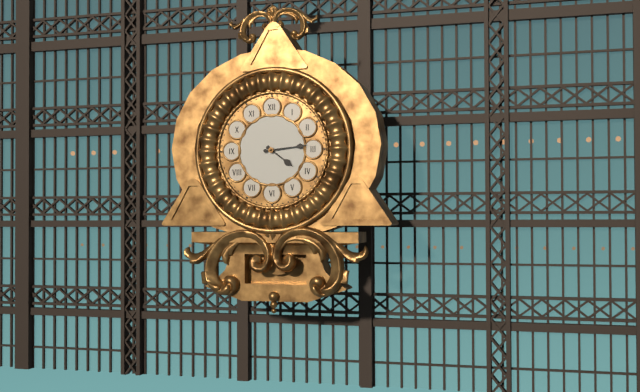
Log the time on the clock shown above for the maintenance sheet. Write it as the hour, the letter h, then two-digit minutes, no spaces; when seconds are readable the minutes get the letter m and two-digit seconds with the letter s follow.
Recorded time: 4h14
